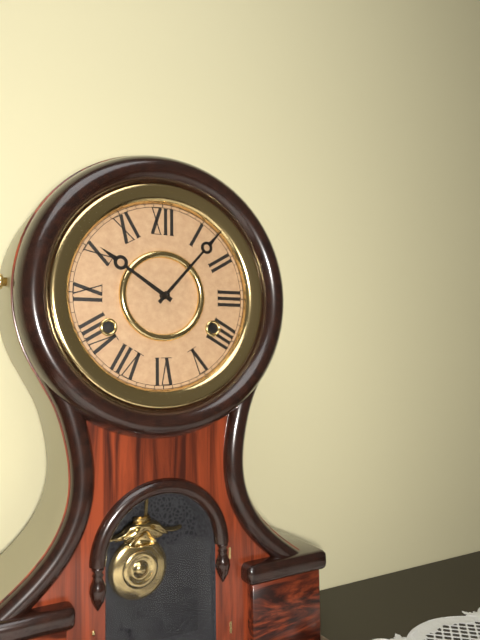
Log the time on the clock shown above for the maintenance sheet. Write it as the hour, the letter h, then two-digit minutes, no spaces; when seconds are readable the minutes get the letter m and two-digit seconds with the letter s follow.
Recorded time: 10h07
